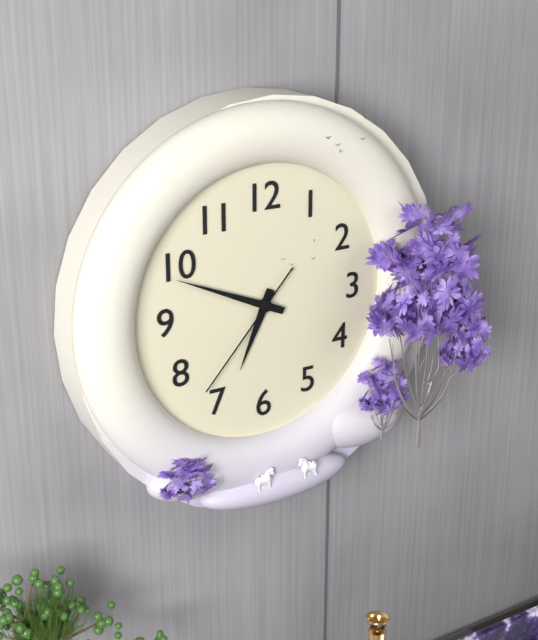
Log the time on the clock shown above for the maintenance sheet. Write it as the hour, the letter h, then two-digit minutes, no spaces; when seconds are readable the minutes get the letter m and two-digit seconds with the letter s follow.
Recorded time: 6h49m37s
